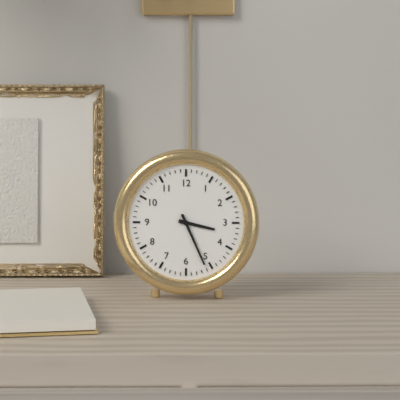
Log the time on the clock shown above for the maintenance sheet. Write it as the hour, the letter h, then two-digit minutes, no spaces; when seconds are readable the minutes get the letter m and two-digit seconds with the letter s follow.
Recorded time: 3h26
